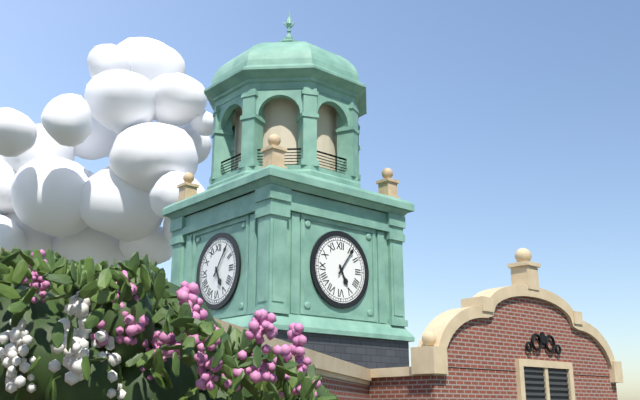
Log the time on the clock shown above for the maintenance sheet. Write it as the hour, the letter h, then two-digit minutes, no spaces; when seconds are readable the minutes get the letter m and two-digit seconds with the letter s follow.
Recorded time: 5h06
